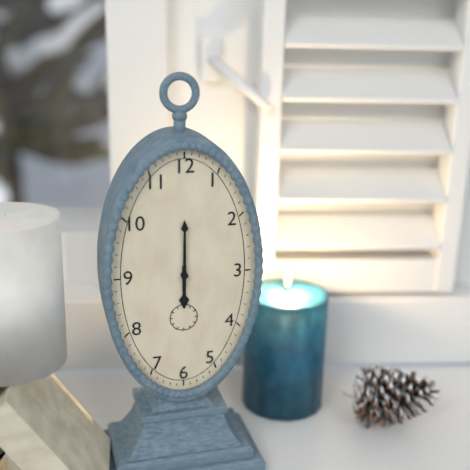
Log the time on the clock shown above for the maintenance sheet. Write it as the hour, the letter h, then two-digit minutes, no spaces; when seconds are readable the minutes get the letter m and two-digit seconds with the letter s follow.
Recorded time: 6h00
